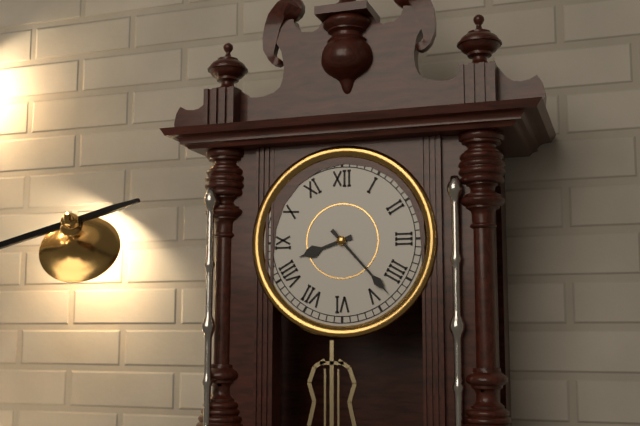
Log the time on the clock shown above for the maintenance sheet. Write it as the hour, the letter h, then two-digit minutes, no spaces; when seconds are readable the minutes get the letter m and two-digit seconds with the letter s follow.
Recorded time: 8h23
